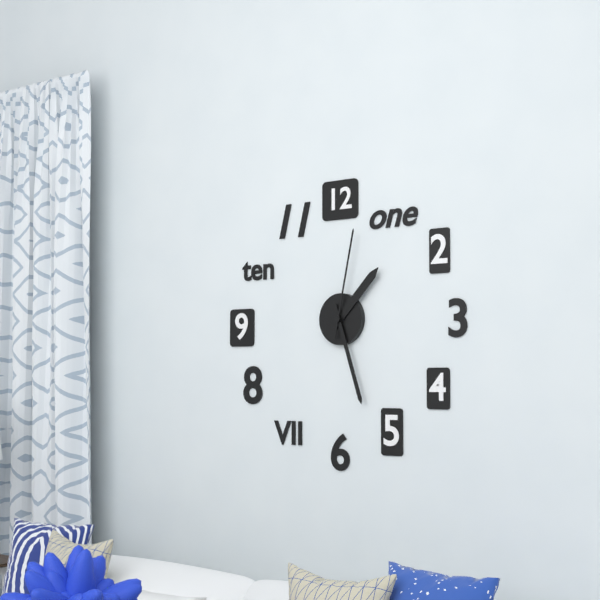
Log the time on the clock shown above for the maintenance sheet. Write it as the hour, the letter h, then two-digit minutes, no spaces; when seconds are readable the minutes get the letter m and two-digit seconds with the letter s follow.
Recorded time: 1h27m02s
